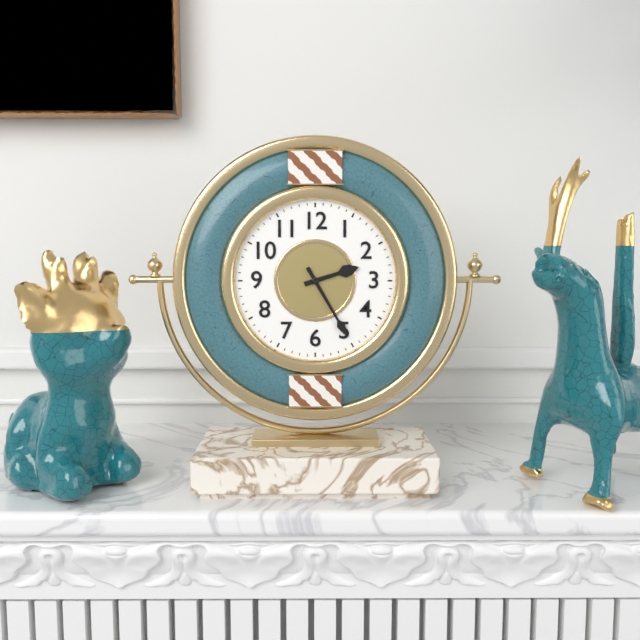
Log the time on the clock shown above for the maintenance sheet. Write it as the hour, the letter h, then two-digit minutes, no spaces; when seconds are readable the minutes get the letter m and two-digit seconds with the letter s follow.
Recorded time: 2h25
